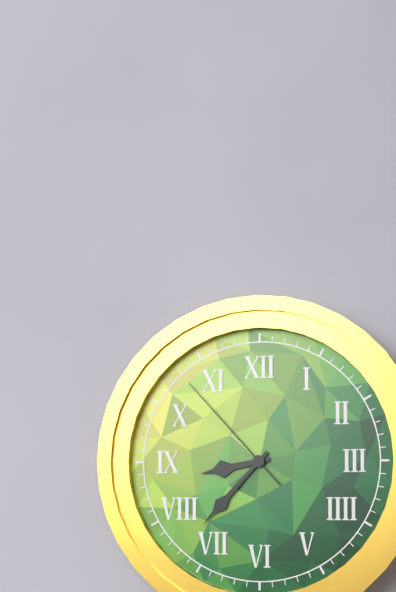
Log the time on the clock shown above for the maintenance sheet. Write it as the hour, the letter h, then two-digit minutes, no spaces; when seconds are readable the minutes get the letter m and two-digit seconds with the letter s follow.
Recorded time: 8h37m53s
